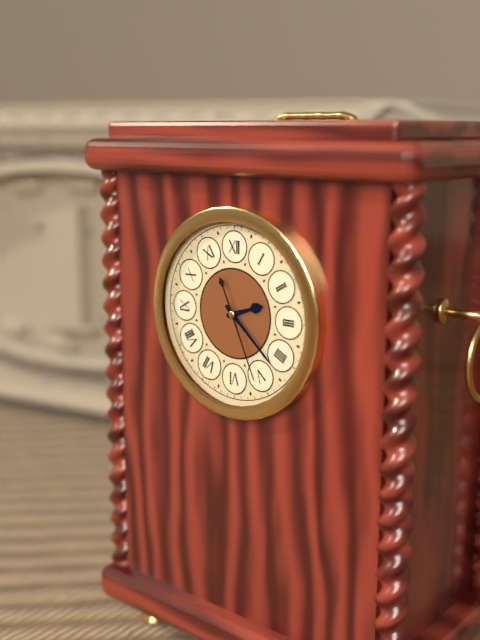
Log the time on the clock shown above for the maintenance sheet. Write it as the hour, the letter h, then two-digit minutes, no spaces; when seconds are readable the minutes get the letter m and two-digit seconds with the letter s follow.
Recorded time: 2h22m26s
